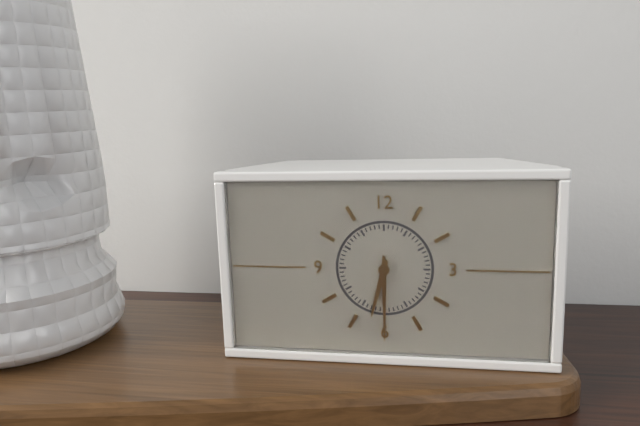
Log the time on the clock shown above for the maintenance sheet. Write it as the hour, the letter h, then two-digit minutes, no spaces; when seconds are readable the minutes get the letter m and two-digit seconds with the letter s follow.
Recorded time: 6h30
